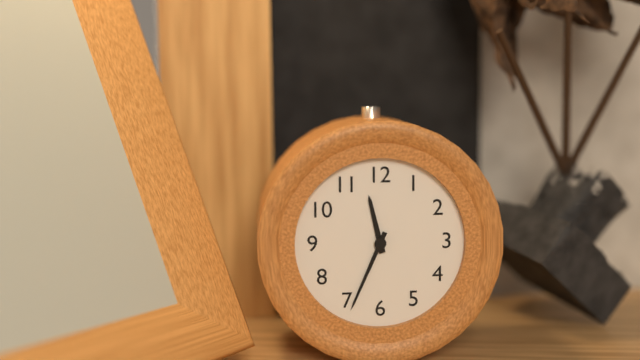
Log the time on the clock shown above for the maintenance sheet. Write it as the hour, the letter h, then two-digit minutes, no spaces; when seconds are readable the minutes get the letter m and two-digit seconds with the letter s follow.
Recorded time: 11h34
